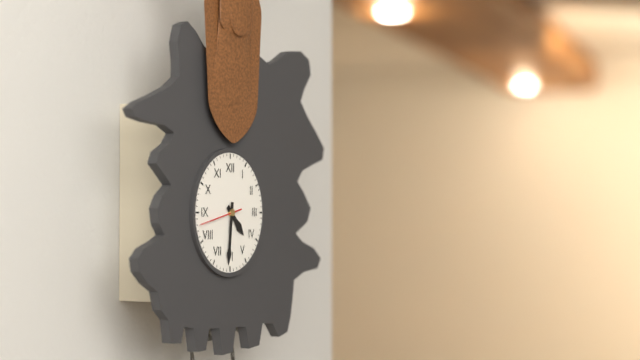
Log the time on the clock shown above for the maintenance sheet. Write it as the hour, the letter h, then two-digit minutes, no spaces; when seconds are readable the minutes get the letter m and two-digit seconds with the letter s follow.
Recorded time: 4h31
